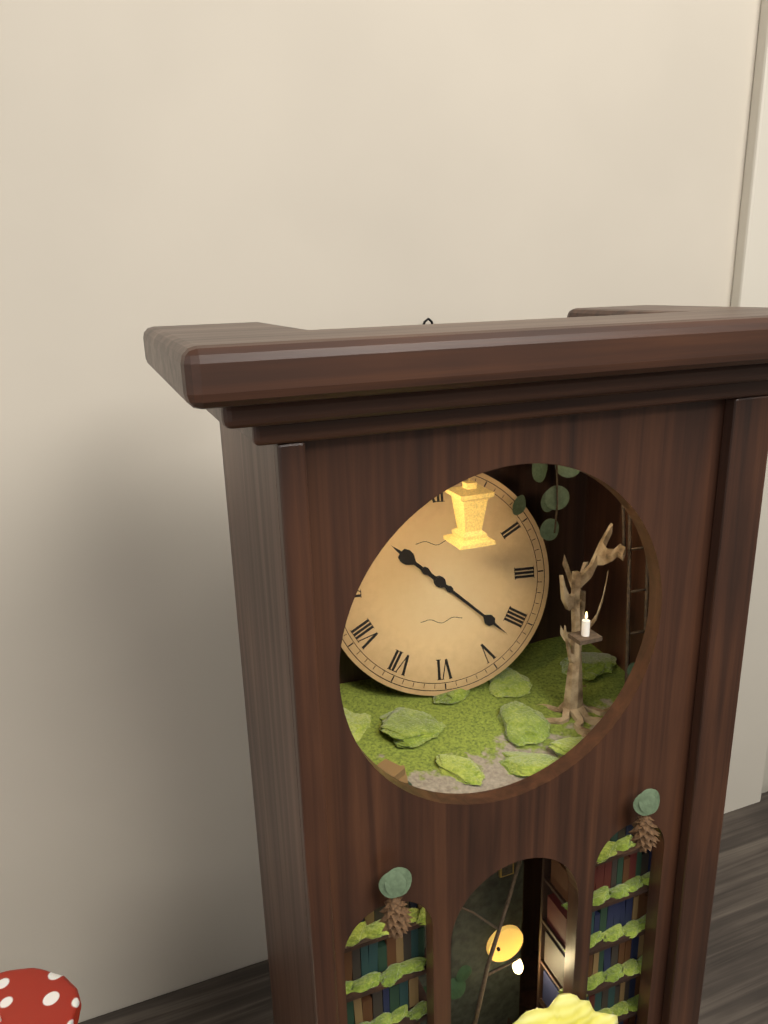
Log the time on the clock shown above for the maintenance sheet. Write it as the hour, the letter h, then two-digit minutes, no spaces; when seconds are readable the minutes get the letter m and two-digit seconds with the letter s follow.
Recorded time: 10h22
